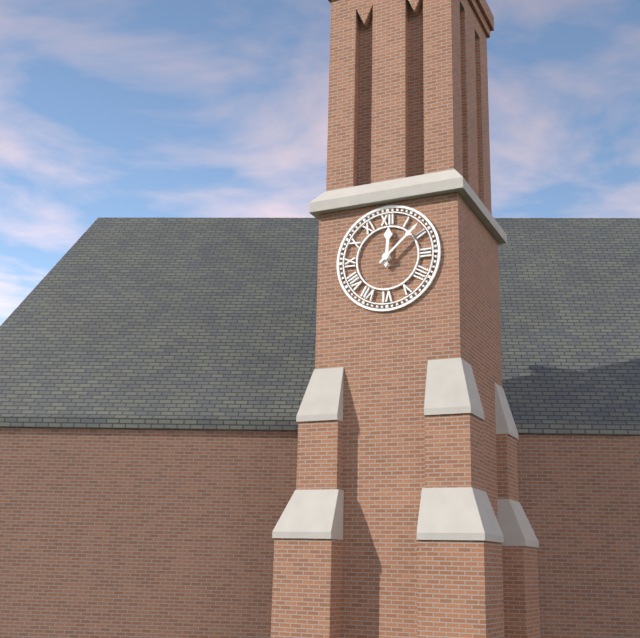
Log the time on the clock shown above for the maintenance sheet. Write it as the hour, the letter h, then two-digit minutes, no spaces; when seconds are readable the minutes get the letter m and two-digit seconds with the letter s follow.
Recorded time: 12h08
